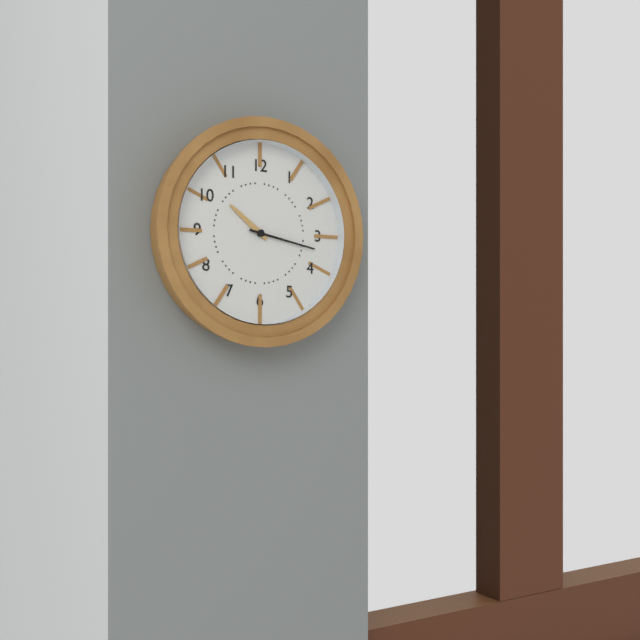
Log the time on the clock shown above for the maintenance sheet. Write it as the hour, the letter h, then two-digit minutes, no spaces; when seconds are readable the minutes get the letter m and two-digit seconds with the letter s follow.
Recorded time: 10h17
